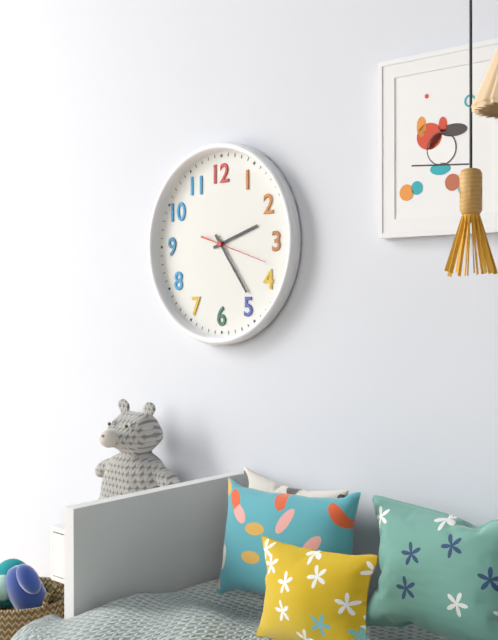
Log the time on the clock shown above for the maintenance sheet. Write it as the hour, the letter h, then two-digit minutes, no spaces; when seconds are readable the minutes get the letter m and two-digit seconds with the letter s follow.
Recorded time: 2h24m18s
